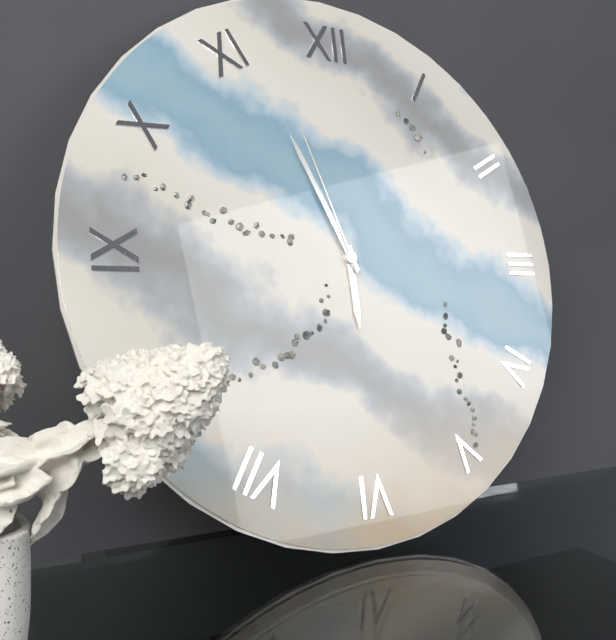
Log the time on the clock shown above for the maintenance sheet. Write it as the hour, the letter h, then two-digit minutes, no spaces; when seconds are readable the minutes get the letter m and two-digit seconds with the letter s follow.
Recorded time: 5h56m57s
